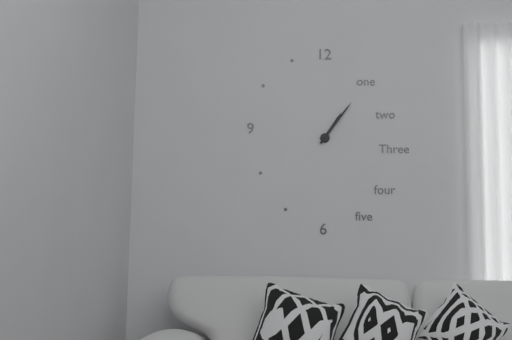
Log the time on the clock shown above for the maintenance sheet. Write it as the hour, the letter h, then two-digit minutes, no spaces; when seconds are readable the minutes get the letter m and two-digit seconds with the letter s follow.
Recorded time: 1h06
